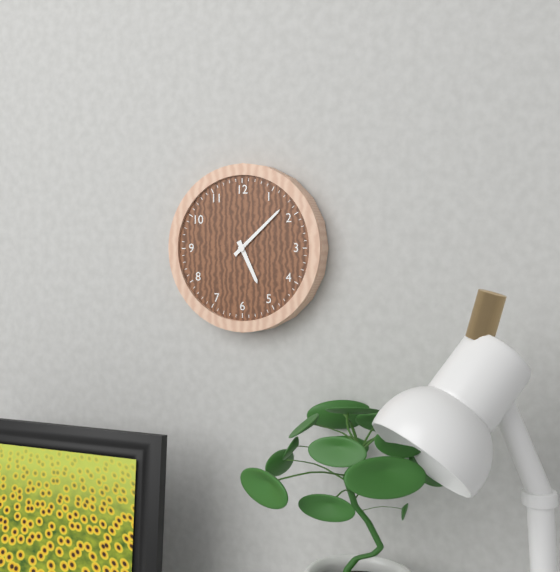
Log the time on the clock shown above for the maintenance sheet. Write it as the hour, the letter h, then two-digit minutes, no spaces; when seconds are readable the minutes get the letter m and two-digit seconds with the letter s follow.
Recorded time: 5h08
